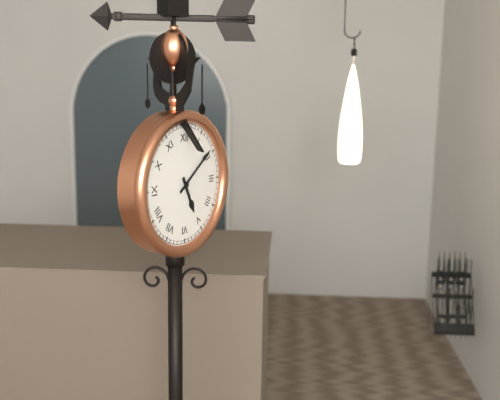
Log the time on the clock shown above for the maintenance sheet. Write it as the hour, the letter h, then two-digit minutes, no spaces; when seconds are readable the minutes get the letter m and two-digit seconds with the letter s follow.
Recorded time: 5h09
